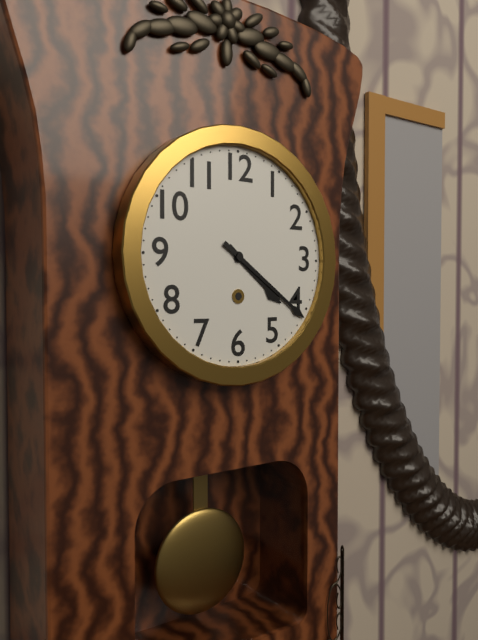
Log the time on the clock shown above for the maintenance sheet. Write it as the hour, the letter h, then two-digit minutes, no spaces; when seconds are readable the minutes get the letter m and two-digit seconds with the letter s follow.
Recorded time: 4h21
